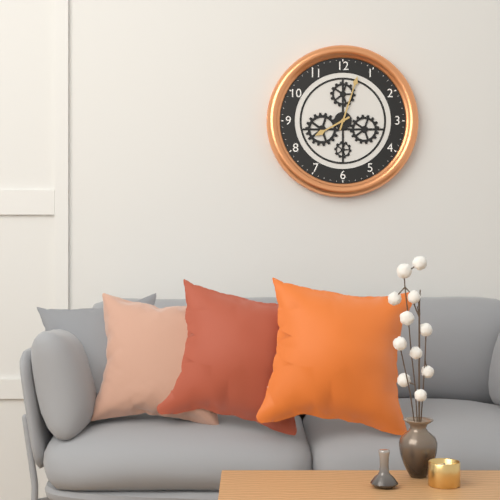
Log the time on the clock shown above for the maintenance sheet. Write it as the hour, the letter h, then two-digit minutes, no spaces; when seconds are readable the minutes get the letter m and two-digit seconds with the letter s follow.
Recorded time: 8h03
